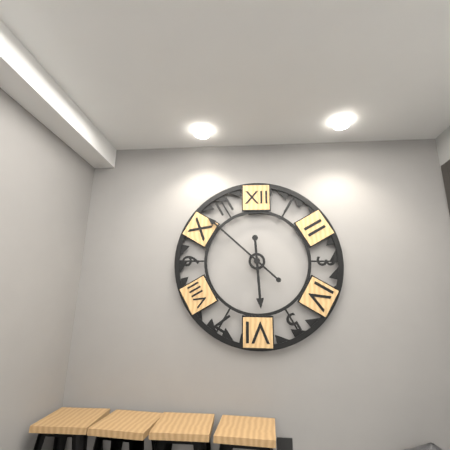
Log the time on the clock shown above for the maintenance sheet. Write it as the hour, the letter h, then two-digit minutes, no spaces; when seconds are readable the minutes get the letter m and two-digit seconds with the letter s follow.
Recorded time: 5h52
